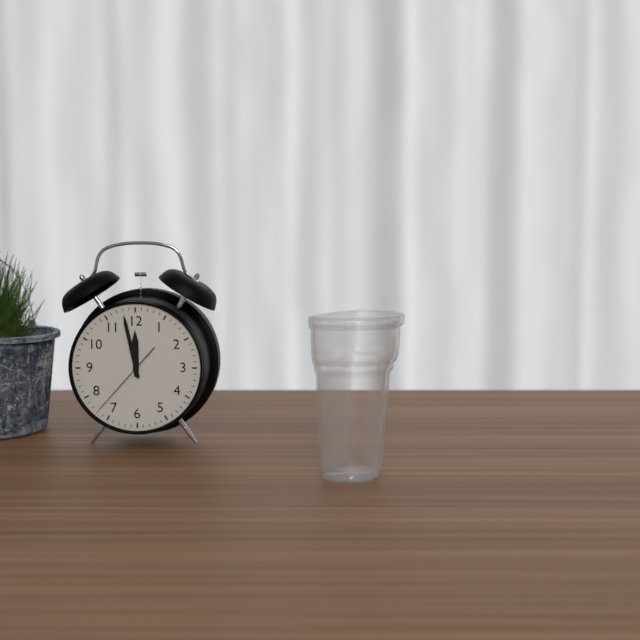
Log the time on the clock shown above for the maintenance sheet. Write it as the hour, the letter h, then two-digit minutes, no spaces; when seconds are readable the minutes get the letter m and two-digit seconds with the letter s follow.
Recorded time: 11h58m37s
